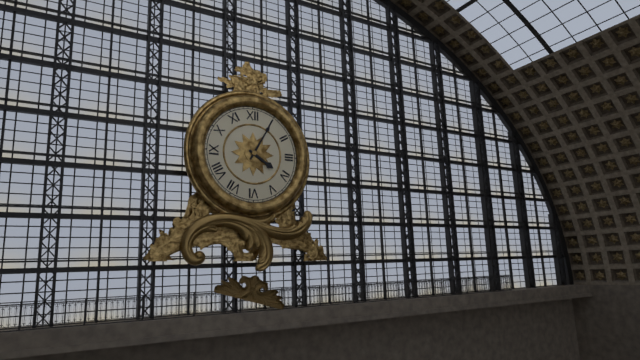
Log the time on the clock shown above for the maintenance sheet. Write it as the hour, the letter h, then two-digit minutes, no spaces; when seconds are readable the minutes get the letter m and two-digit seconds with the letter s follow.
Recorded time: 4h05
